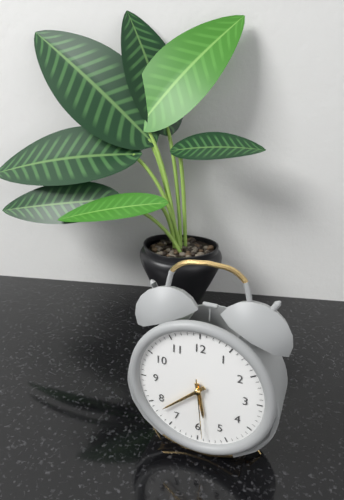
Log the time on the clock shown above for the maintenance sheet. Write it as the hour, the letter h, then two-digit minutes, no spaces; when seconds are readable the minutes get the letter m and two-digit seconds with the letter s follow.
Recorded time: 5h38m29s
